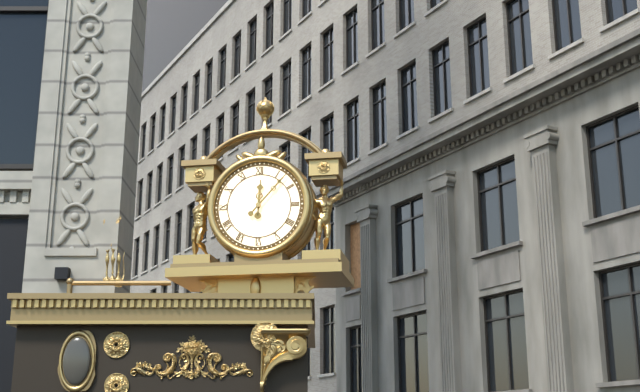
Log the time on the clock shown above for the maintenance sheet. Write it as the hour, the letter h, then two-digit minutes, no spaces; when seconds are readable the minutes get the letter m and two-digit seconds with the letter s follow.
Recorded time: 12h07
